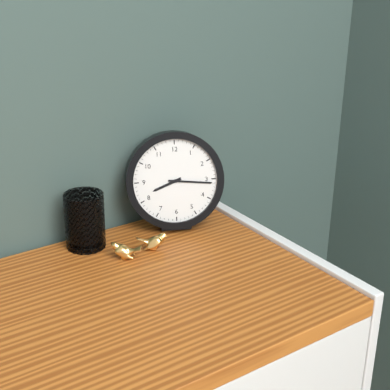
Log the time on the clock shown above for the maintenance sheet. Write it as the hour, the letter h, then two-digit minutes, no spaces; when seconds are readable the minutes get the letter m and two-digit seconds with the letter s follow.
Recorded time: 8h16
